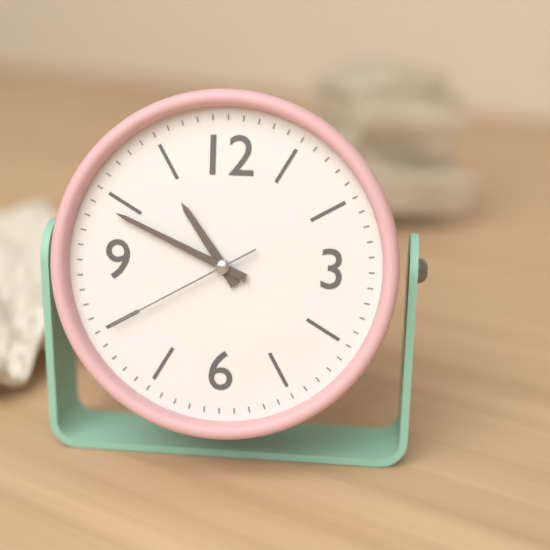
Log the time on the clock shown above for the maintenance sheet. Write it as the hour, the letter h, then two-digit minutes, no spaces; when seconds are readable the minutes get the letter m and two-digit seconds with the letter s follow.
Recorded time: 10h49m40s
